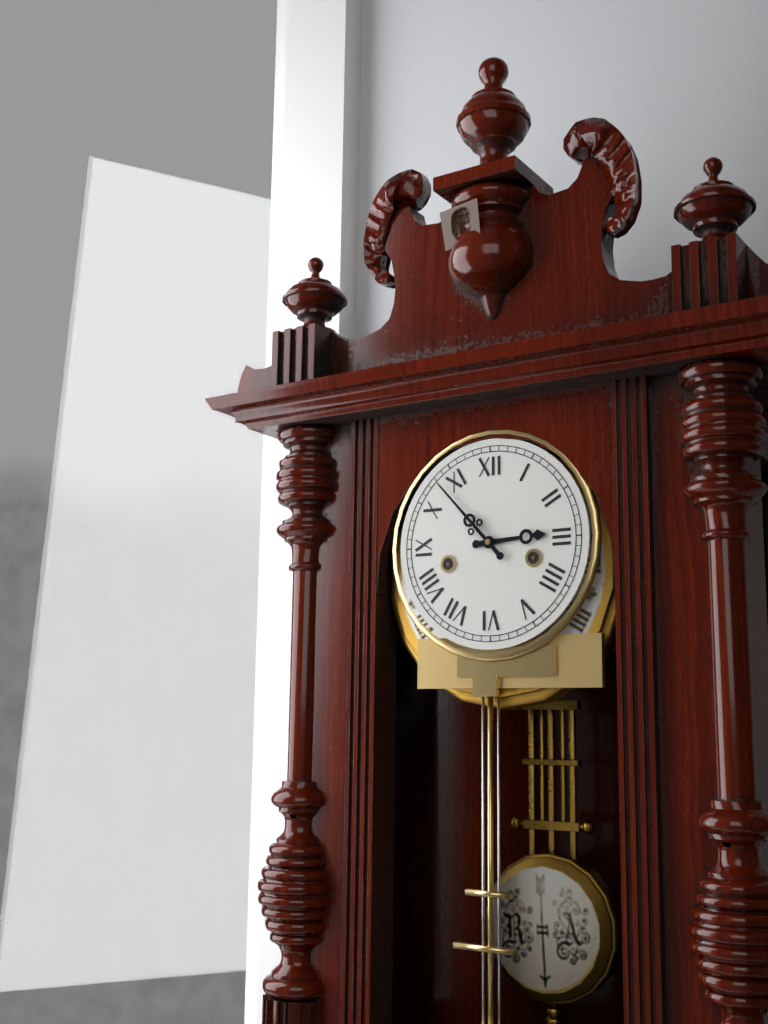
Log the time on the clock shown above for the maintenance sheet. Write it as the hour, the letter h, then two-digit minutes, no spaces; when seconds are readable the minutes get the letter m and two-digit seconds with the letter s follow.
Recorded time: 2h53
